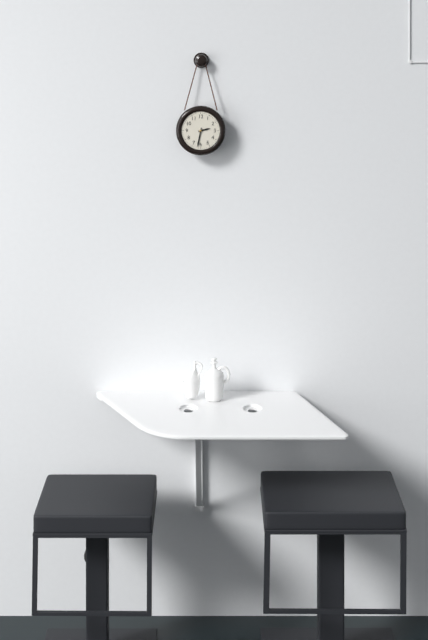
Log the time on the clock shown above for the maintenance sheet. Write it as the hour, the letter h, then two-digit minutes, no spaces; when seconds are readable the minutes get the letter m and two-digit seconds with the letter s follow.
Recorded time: 2h32
